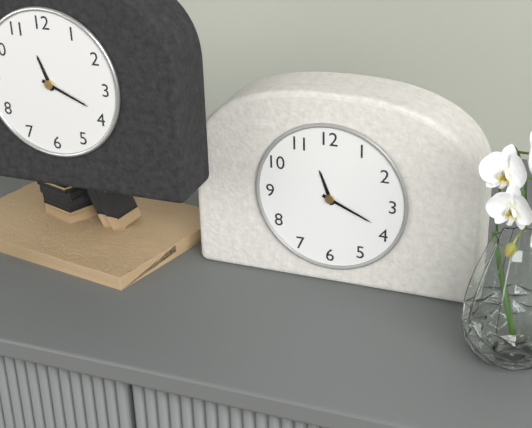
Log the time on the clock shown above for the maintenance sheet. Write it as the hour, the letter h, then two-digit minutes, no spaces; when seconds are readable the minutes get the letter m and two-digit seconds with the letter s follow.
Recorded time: 11h19
